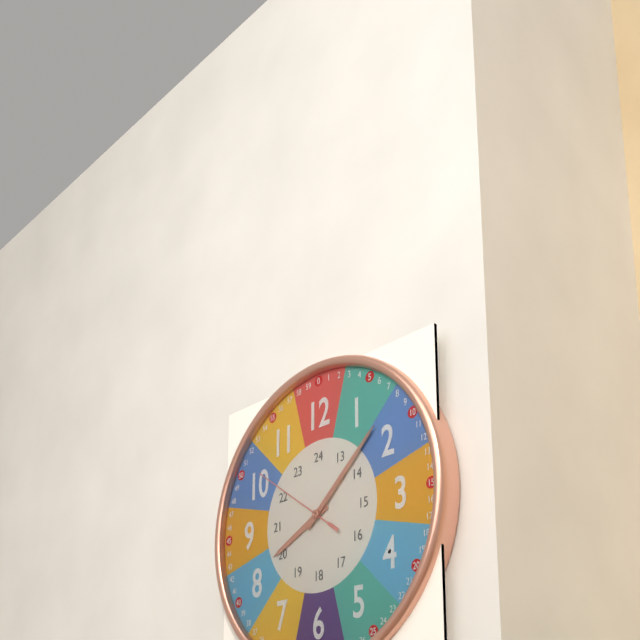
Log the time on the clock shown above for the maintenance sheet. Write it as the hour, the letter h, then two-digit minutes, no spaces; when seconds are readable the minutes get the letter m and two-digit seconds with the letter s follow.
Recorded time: 8h08m51s
